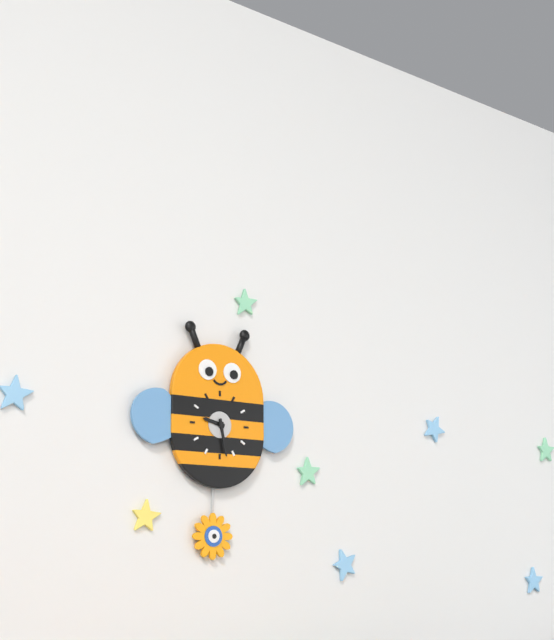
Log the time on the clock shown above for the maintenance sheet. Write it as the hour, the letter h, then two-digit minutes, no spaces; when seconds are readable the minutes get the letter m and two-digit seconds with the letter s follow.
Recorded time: 9h28
